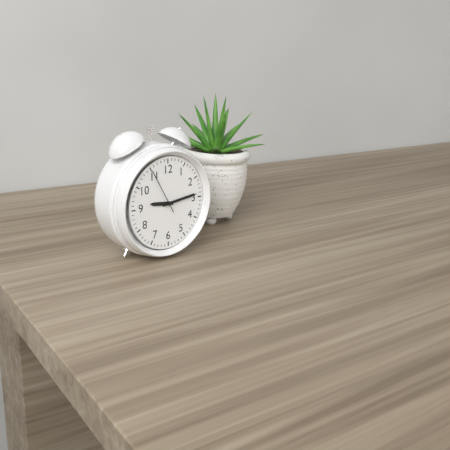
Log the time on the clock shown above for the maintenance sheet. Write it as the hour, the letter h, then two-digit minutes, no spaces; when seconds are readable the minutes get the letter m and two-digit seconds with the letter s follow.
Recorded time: 9h14
